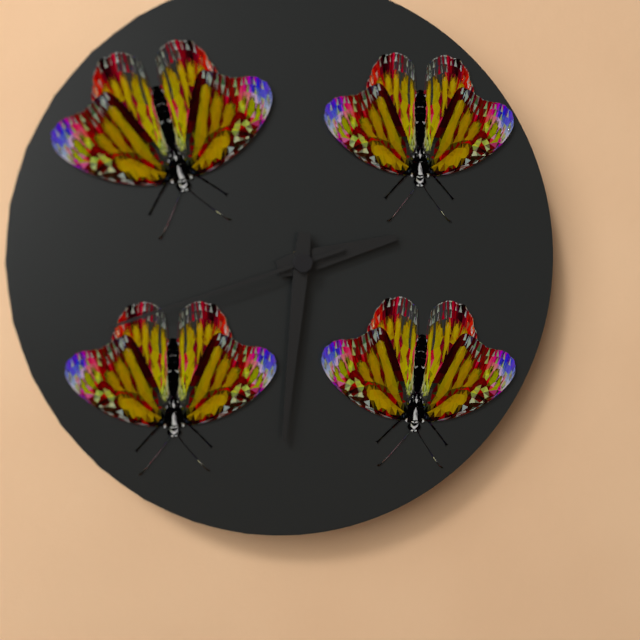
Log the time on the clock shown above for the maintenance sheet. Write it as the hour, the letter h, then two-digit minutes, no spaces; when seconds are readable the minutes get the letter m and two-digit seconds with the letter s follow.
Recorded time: 2h31m42s
